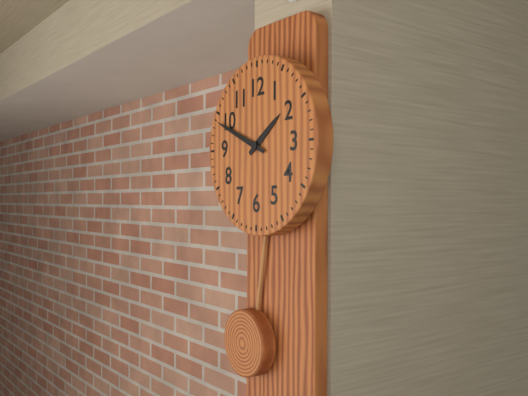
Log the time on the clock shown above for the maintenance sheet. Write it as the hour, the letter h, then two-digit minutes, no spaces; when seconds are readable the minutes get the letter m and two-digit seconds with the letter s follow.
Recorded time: 1h49
